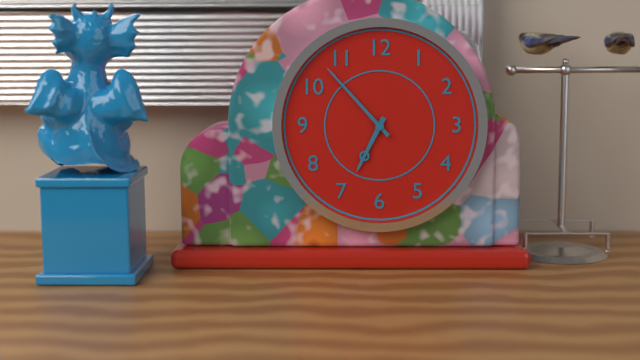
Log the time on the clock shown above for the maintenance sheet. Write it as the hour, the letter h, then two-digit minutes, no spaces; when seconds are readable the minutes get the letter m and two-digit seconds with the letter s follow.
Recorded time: 6h53
